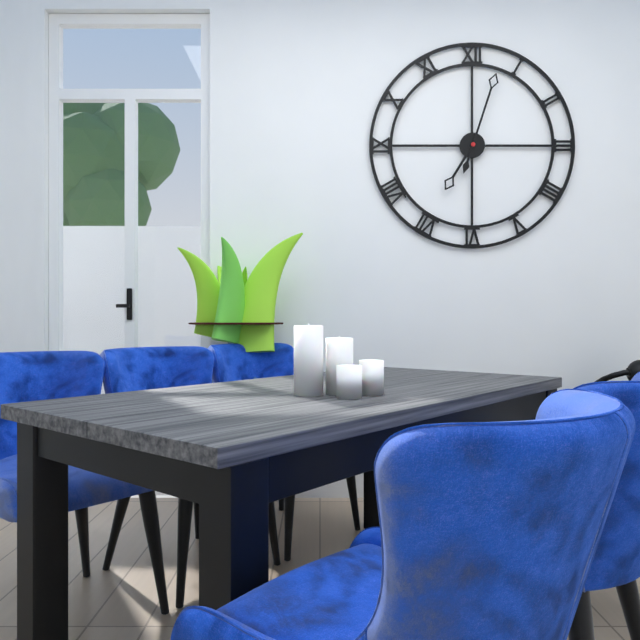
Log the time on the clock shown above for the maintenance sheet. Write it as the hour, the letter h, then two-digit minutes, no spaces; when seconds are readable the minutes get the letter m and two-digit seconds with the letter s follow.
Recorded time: 7h03
